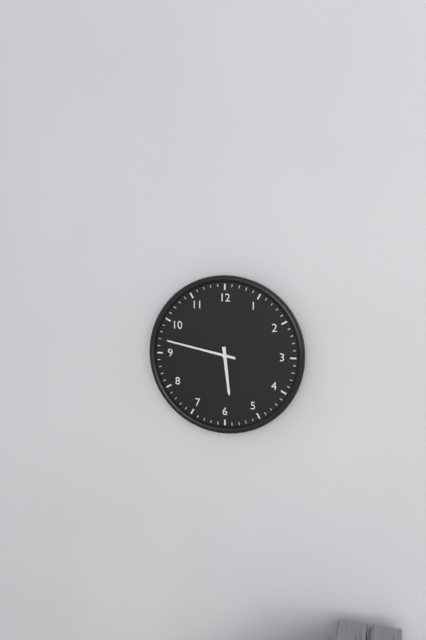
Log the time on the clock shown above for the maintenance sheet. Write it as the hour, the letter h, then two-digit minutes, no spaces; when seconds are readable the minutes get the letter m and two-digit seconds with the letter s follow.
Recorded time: 5h47
